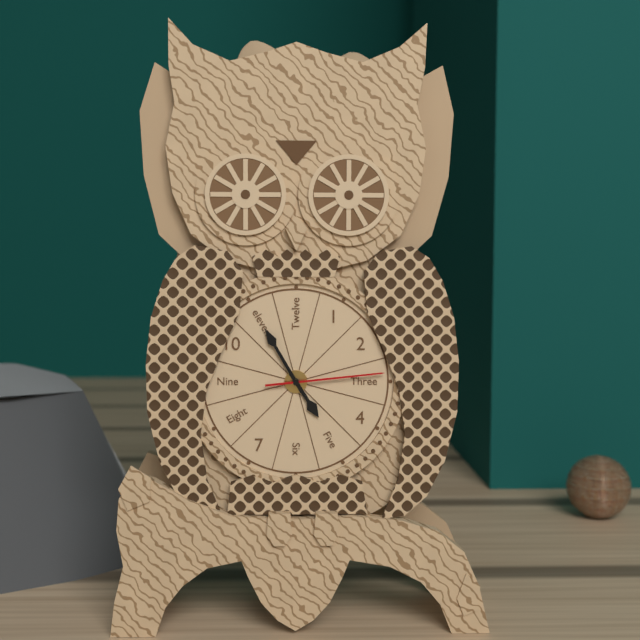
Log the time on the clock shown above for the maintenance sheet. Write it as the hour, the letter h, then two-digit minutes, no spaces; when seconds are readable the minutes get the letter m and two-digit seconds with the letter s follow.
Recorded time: 4h55m14s
